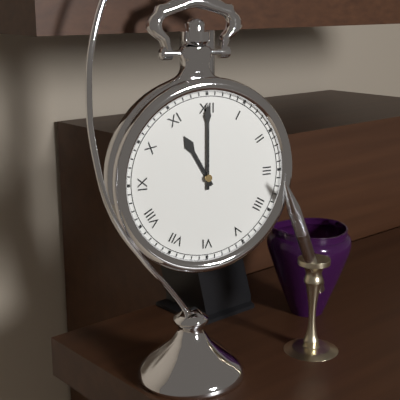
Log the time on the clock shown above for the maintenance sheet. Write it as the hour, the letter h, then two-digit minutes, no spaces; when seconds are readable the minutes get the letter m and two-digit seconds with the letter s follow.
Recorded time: 11h00
